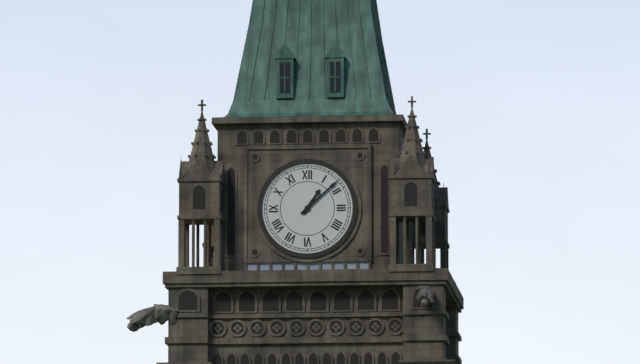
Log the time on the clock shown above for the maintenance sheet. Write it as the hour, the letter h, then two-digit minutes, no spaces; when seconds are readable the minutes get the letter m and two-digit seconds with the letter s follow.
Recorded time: 1h08
